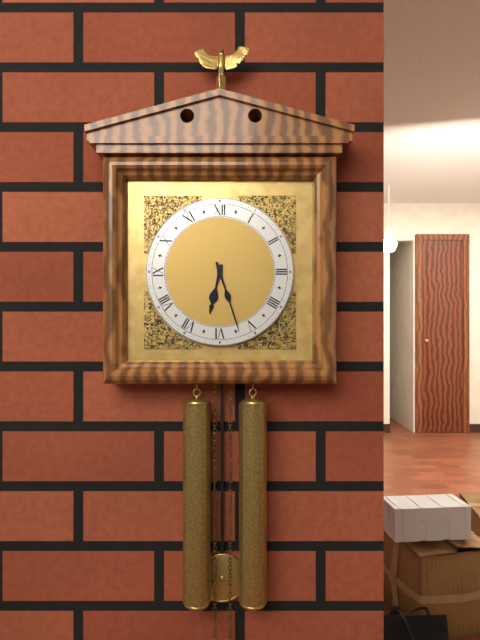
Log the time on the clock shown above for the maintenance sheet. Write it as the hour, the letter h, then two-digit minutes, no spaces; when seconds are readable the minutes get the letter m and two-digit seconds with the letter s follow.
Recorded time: 6h27
